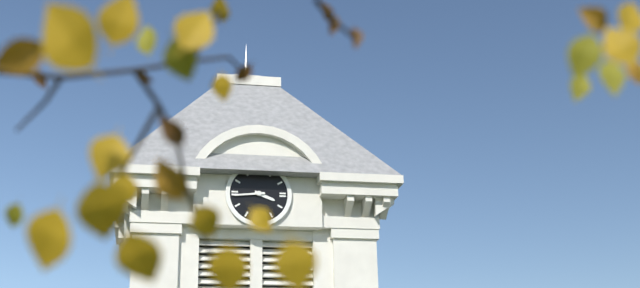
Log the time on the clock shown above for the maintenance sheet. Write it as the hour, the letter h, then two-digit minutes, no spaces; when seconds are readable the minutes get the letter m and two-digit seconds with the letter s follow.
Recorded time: 3h44
